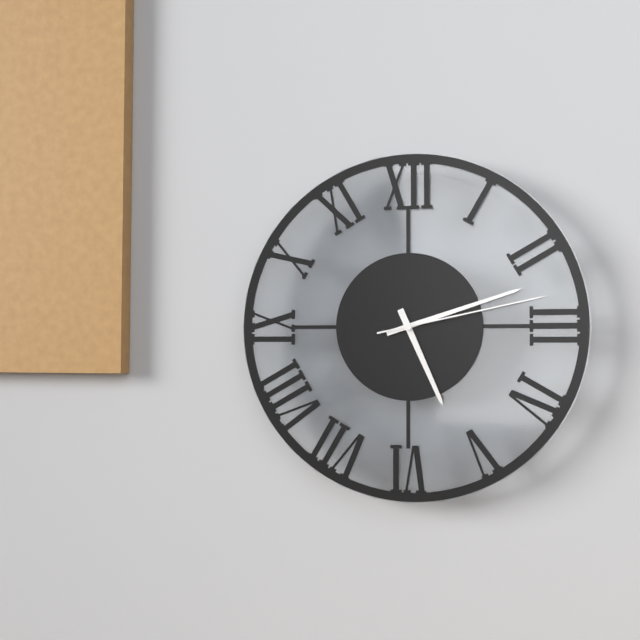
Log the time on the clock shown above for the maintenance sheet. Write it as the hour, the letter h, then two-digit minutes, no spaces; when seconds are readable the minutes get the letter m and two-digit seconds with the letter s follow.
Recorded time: 5h12m13s
